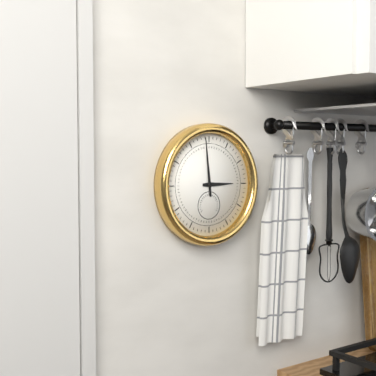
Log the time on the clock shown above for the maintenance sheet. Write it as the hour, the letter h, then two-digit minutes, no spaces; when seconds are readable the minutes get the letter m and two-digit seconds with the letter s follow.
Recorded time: 2h59
